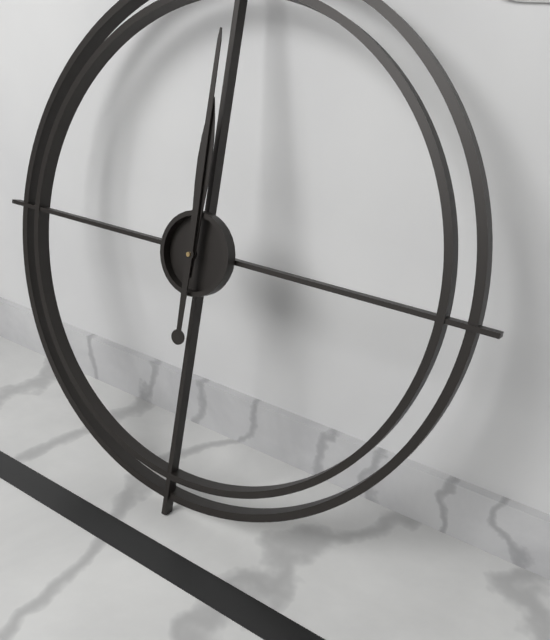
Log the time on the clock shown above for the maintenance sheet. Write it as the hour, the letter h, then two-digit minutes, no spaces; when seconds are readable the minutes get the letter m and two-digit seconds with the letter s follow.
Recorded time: 12h00
